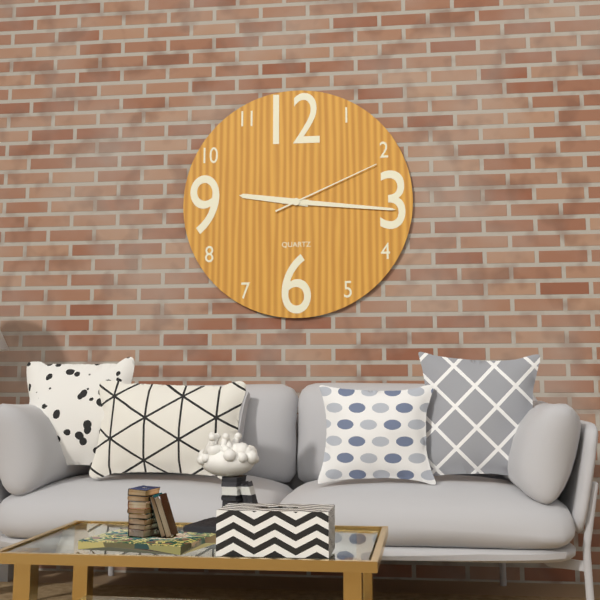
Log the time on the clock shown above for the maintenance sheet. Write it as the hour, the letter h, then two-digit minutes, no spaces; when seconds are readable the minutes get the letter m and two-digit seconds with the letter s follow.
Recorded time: 9h16m11s
